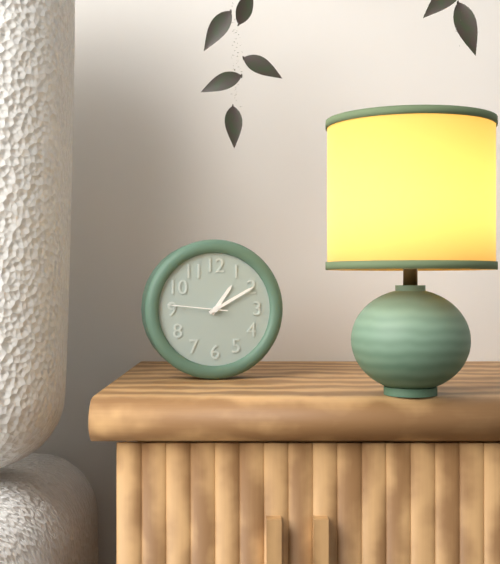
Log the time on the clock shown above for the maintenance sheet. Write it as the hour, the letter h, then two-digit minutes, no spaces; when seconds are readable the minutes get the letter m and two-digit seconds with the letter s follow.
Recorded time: 1h10m46s
